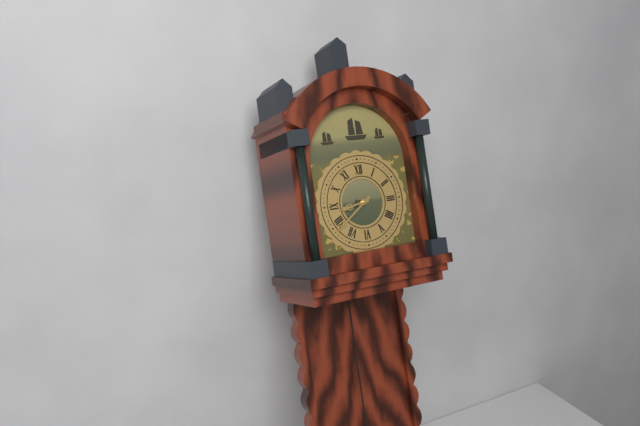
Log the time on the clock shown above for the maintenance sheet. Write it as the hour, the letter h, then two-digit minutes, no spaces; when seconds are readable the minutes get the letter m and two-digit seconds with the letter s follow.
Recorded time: 8h39
